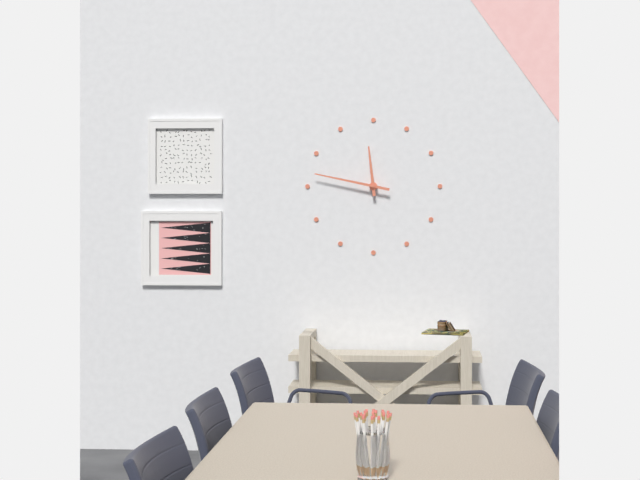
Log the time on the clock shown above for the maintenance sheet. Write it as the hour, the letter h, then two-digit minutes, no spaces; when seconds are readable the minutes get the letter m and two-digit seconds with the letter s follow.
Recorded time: 11h47
